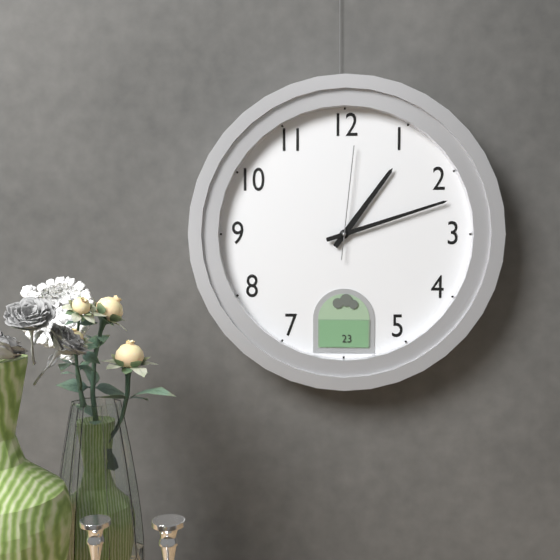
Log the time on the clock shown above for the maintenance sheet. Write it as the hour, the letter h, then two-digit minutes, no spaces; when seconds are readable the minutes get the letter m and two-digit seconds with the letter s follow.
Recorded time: 1h12m01s
